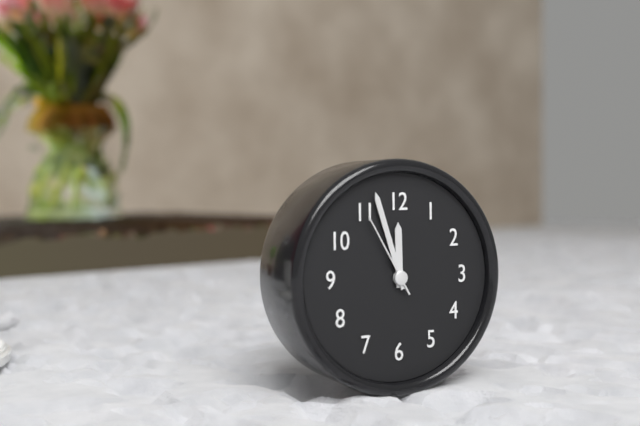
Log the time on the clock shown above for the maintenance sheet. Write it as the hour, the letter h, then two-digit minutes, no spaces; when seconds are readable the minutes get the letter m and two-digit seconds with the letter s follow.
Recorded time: 11h57m55s
